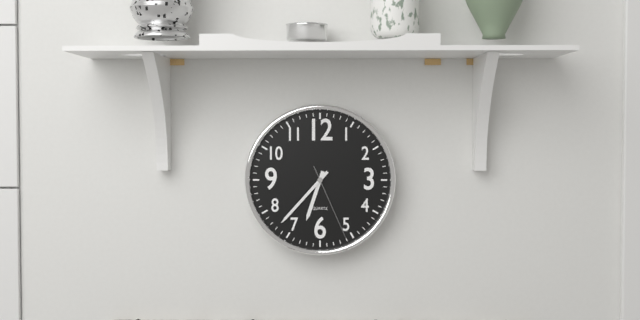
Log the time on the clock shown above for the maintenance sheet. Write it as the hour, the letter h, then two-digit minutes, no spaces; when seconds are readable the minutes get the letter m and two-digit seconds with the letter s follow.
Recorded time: 6h37m26s
